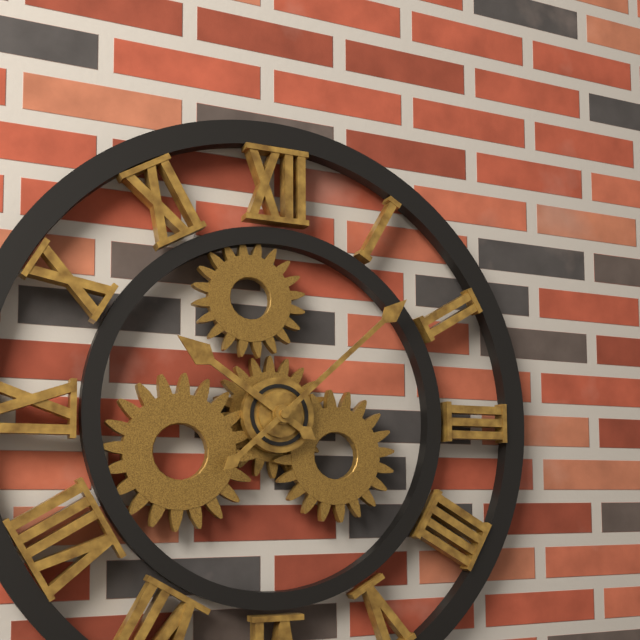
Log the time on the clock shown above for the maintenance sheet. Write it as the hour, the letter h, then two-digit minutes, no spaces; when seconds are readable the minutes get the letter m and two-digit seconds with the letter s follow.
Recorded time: 10h08
